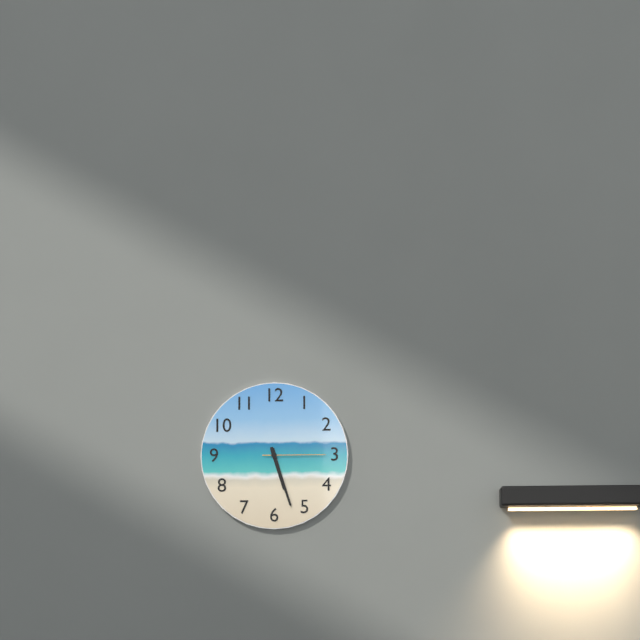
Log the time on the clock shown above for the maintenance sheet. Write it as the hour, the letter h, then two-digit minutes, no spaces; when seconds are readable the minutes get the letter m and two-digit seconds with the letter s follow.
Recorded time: 5h27m15s
